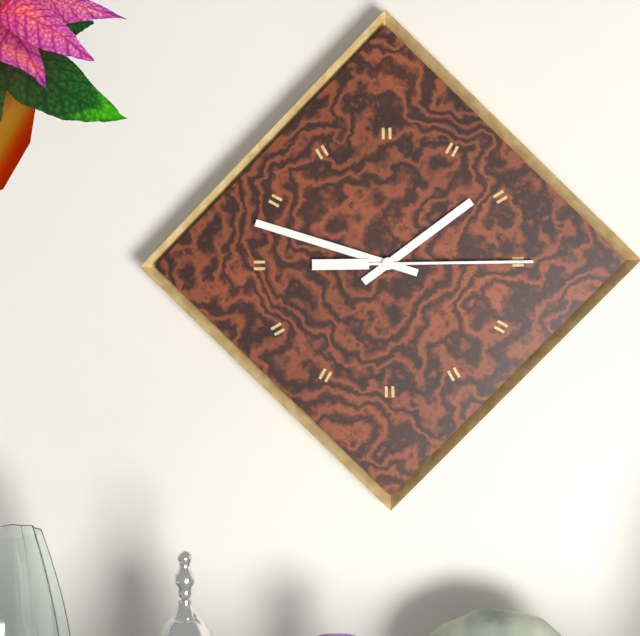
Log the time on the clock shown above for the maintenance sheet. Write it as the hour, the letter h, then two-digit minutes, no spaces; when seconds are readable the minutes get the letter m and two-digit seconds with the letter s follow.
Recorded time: 1h48m15s
